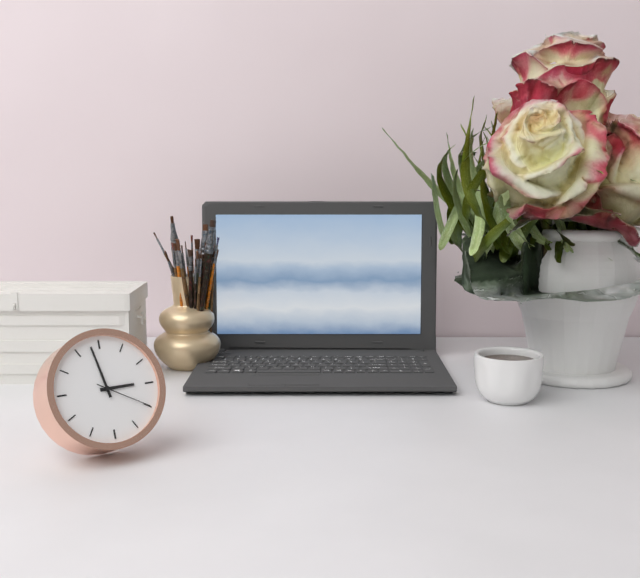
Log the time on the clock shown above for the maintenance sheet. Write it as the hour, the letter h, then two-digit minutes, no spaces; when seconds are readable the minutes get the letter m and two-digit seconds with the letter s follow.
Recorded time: 2h58m20s
